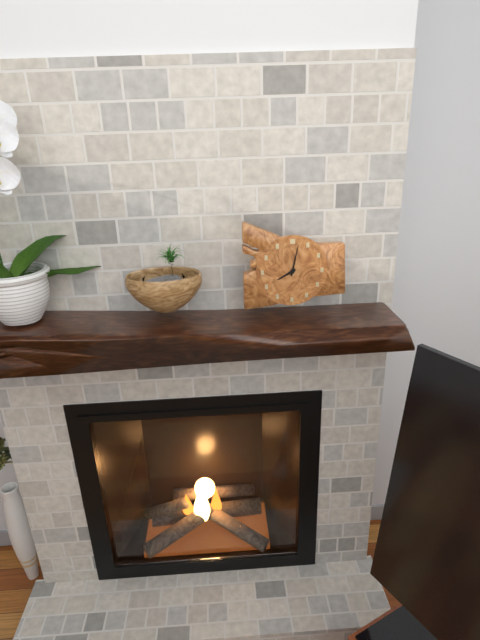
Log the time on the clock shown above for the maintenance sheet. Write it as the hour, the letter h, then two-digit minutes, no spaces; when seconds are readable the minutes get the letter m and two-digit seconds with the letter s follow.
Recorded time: 8h02
